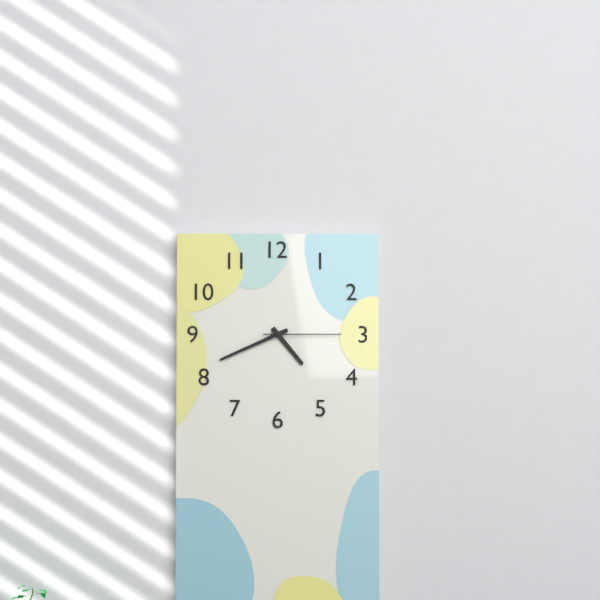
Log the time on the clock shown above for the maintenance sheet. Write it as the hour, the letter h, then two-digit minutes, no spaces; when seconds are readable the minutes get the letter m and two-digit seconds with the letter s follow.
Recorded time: 4h41m15s
